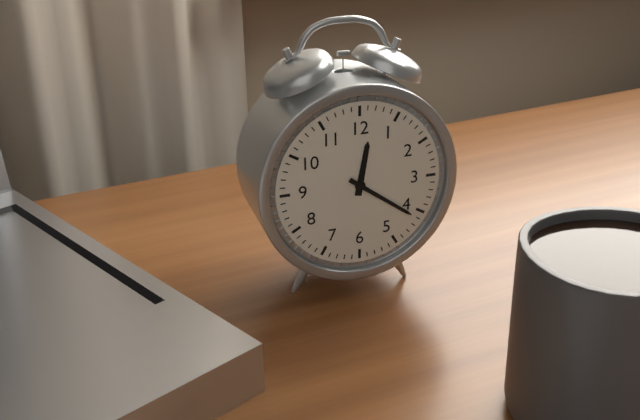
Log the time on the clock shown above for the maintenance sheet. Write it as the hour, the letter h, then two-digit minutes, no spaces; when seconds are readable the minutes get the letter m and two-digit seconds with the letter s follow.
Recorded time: 12h21
